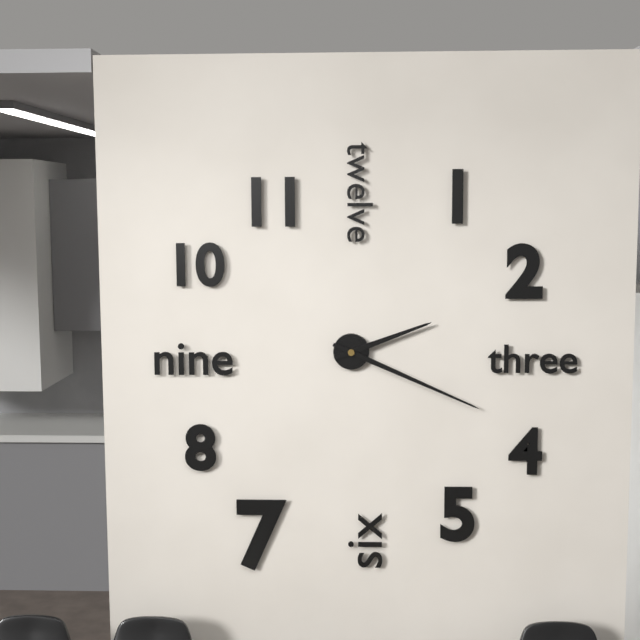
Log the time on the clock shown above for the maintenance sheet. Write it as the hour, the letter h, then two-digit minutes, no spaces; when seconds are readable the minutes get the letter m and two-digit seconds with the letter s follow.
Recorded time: 2h19
